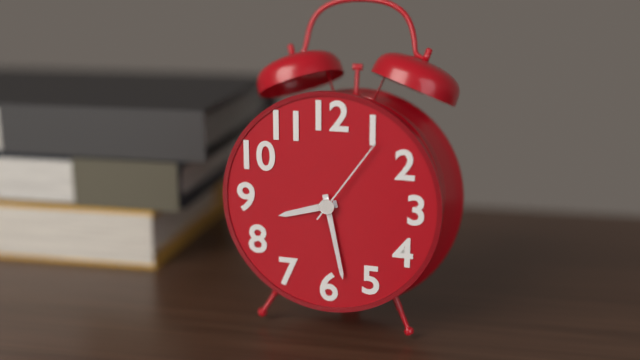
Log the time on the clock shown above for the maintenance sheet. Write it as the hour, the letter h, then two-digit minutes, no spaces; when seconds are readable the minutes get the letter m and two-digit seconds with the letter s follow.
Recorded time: 8h28m06s
